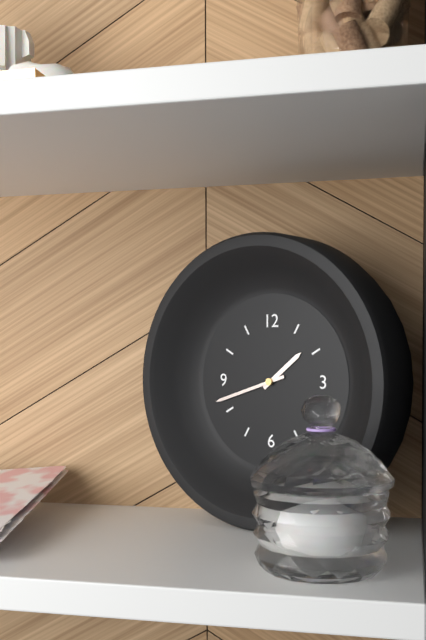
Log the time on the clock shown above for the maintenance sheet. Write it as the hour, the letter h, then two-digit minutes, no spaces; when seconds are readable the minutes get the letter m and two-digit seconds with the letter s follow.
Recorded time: 1h42
